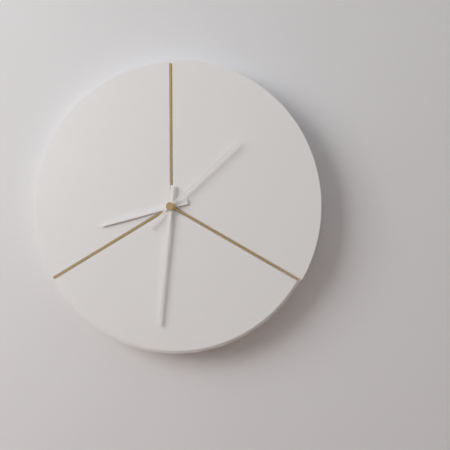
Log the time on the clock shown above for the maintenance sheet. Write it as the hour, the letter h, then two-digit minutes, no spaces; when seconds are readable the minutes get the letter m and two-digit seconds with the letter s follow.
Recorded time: 8h31m08s
